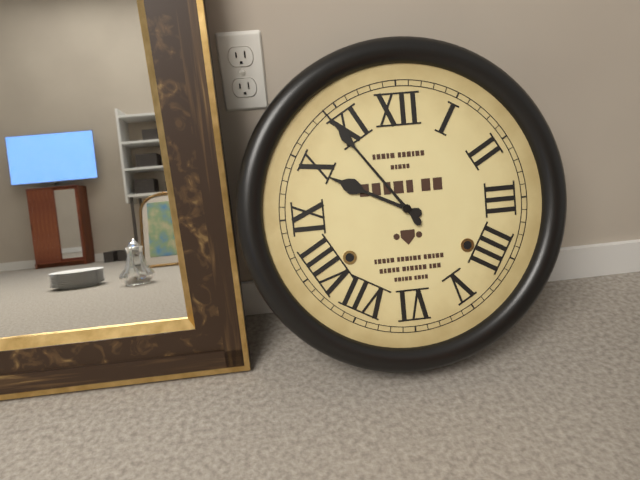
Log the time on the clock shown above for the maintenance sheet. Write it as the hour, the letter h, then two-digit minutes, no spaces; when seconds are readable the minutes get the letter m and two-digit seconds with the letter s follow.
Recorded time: 9h54
